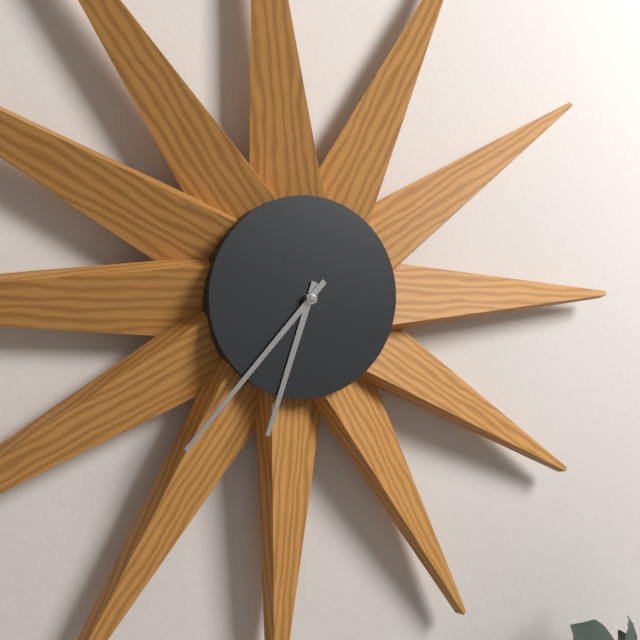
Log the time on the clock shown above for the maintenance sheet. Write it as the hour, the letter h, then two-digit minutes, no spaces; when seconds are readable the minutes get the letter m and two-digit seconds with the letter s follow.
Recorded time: 6h37
